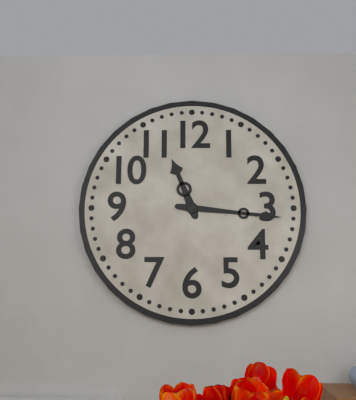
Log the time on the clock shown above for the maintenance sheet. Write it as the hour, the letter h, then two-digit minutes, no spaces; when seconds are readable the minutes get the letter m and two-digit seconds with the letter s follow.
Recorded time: 11h16
